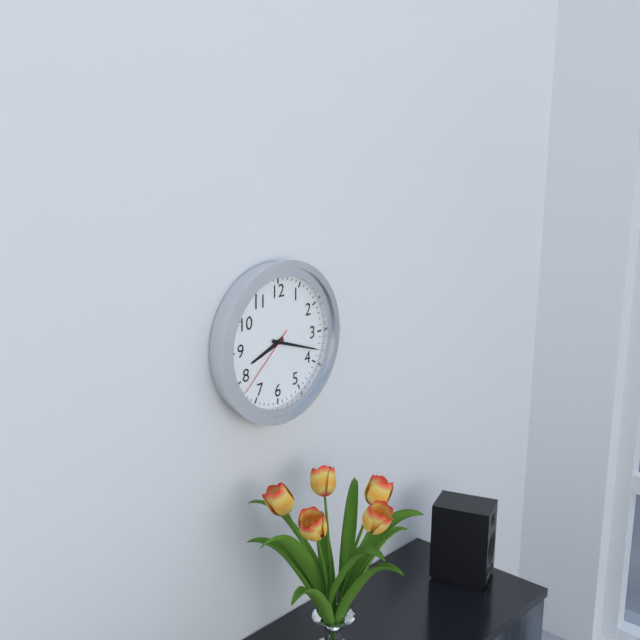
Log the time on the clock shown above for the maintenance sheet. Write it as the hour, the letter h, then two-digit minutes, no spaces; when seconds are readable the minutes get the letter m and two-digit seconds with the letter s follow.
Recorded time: 8h18m38s
